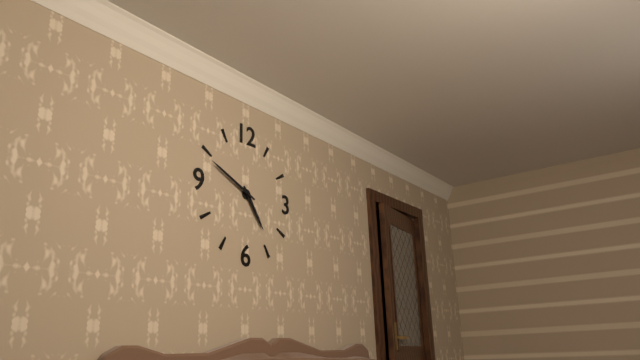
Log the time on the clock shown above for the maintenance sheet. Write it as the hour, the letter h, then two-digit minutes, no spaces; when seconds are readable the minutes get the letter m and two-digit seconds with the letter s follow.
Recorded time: 4h49
